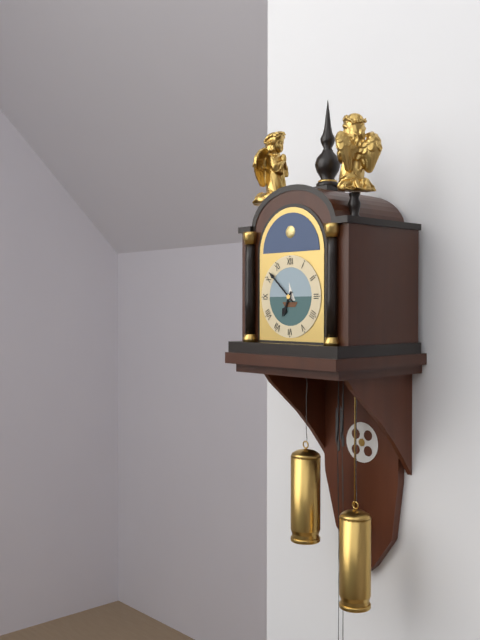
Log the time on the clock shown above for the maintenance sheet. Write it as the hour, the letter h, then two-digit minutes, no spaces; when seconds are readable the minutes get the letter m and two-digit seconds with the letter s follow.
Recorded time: 6h52
